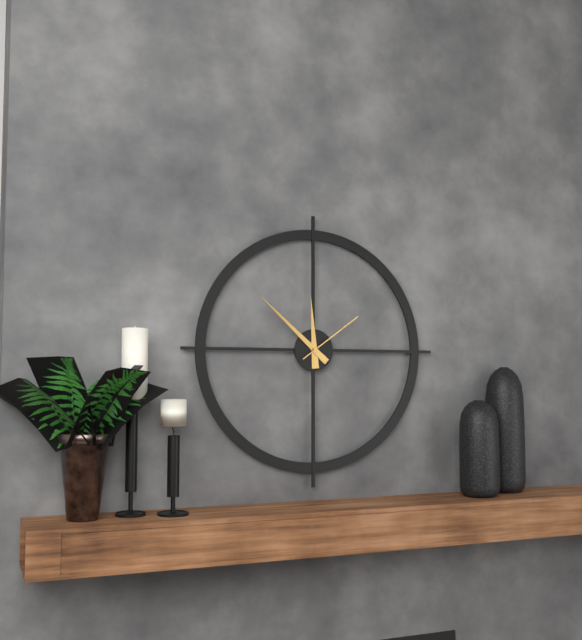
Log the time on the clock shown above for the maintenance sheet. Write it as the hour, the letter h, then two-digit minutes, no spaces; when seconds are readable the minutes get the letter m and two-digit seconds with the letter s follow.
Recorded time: 11h52m09s
